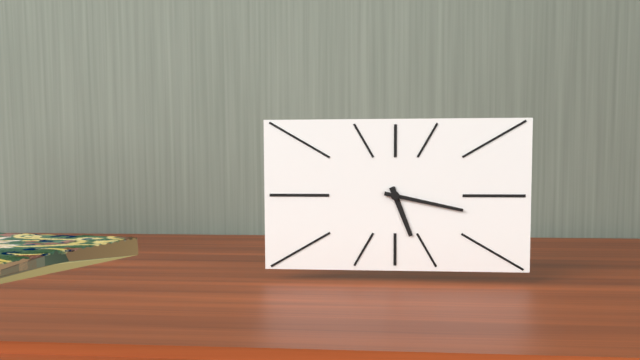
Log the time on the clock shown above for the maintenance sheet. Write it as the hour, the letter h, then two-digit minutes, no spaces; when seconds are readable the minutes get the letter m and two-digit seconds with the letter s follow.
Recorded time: 5h17
